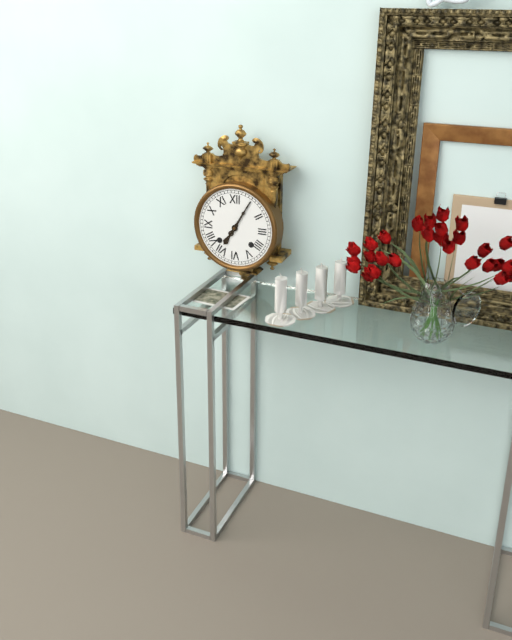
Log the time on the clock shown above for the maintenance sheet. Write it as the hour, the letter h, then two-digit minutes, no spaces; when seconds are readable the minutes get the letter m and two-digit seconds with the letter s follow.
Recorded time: 7h05
